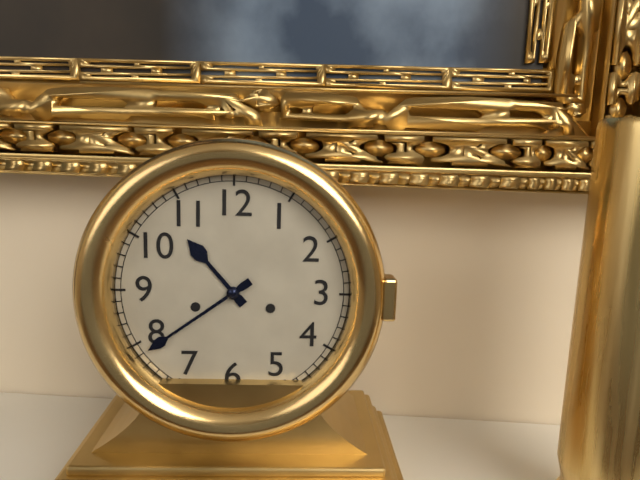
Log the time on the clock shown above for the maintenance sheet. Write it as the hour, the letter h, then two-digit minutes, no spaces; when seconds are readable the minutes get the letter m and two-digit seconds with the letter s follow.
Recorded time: 10h39
